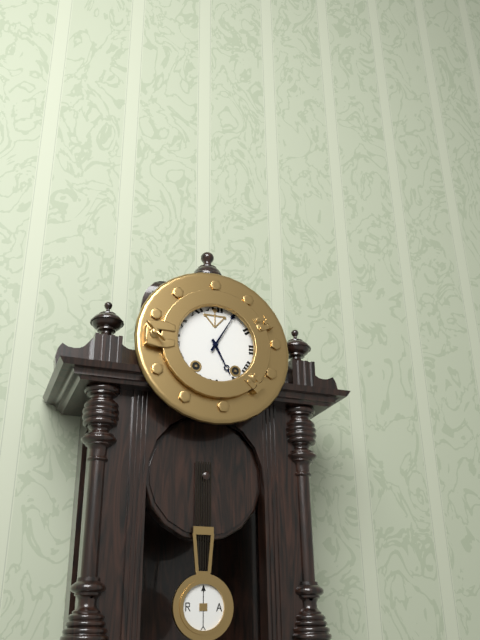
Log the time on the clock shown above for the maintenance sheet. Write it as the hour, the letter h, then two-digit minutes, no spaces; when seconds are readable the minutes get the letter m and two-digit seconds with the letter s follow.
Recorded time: 5h05
